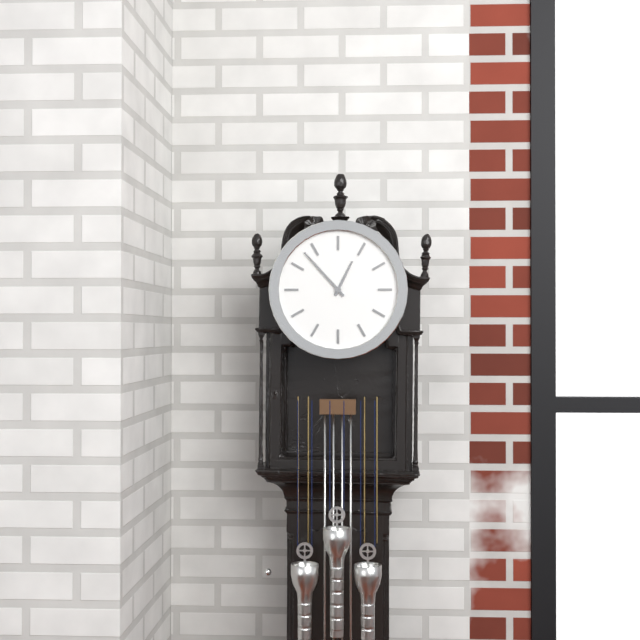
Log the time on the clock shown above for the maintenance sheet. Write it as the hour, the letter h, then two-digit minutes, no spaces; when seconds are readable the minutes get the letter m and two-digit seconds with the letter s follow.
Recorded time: 12h53
